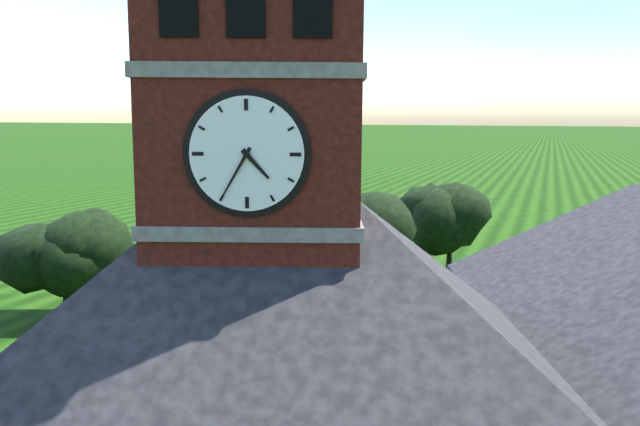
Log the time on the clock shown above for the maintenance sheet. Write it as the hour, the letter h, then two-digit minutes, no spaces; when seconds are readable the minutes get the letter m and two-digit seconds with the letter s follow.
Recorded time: 4h35
